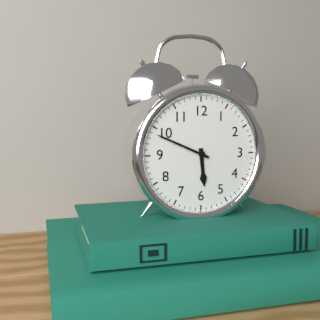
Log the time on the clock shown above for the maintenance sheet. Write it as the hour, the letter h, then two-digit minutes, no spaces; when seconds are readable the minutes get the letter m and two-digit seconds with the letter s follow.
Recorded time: 5h49
